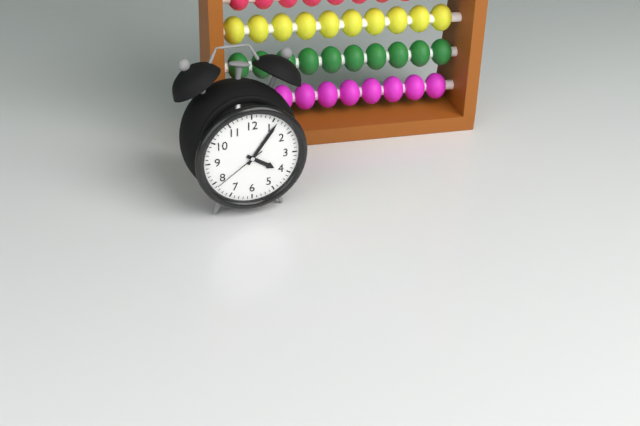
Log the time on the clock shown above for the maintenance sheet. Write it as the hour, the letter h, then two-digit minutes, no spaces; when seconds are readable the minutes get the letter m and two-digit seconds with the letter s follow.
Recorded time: 4h06m39s
